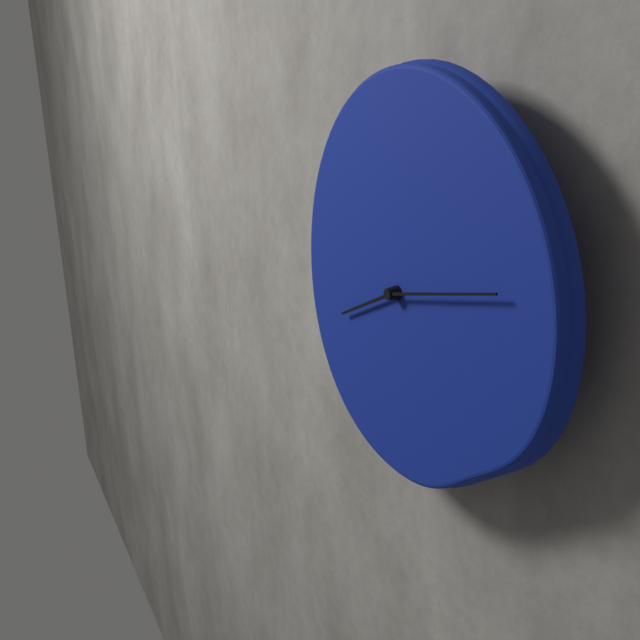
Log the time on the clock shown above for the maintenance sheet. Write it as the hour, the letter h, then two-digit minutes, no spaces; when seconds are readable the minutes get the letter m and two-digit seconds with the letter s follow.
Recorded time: 8h13
